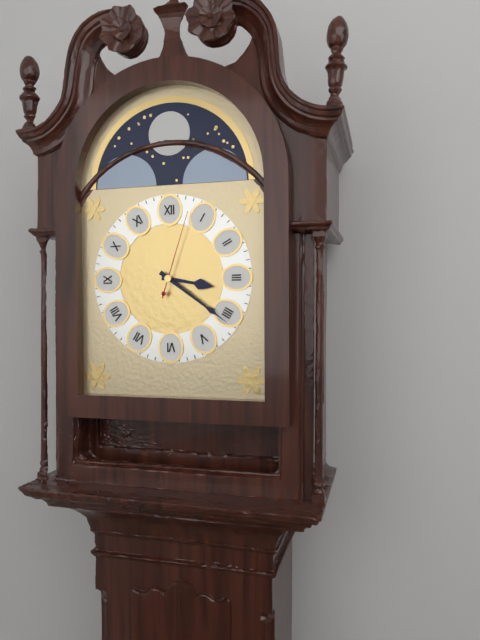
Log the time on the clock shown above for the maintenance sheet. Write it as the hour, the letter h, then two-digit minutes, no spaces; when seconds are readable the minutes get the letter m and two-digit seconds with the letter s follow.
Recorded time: 3h21m03s
